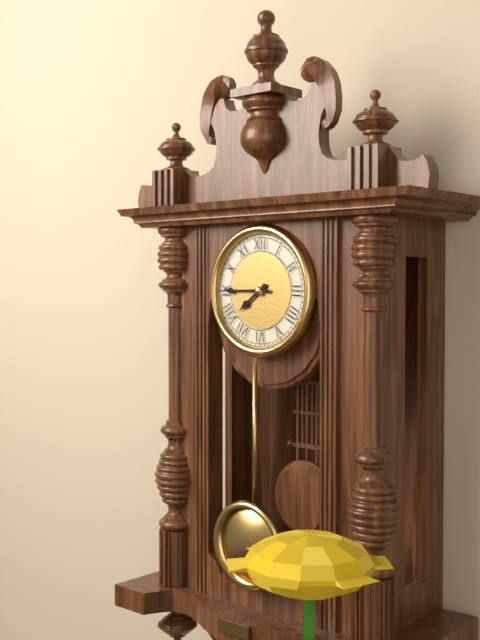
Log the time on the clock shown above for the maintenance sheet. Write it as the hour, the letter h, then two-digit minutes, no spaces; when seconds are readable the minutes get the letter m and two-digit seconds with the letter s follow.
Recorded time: 7h45
